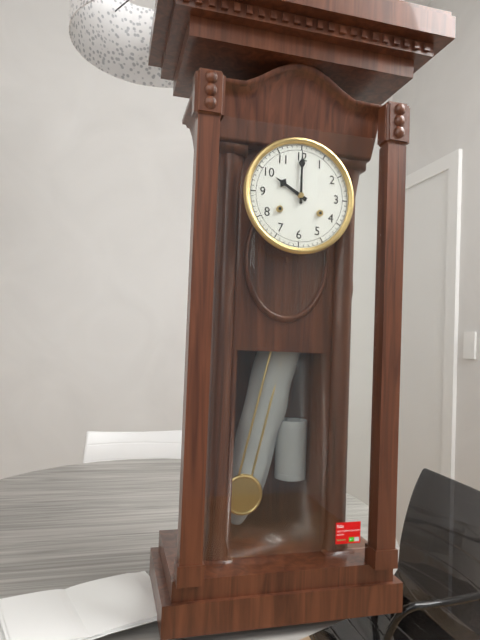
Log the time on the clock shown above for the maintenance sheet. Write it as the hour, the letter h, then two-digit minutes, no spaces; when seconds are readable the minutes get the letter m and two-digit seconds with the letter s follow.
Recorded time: 10h00
